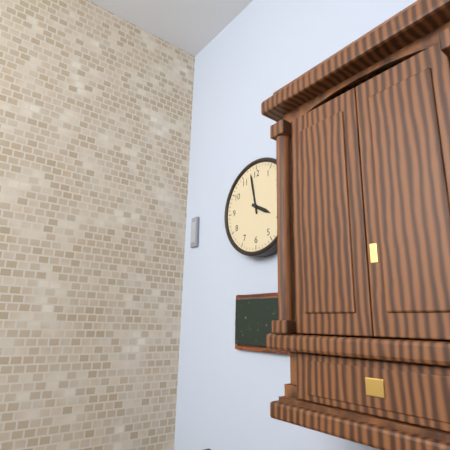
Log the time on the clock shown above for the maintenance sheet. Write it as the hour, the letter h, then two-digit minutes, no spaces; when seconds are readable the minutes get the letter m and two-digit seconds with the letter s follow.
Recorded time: 3h58
